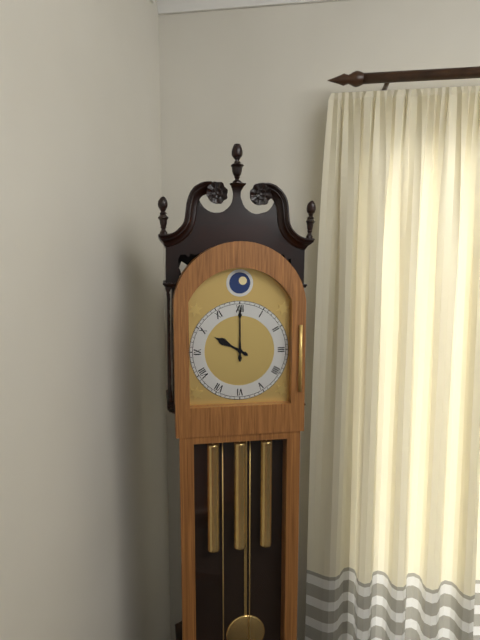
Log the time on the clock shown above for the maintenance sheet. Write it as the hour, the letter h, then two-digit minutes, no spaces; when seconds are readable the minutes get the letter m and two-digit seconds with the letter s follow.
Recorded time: 10h00
